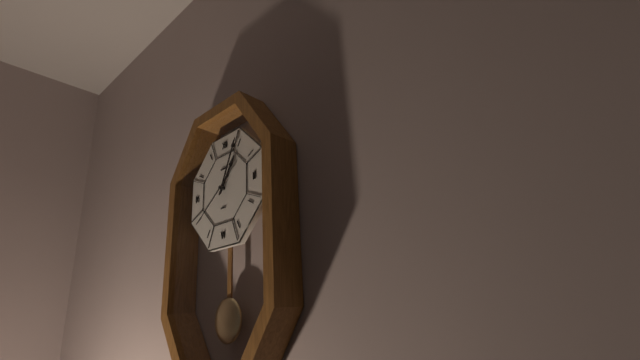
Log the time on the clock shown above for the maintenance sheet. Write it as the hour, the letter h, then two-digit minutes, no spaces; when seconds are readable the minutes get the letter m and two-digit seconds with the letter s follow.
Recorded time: 1h04m39s
